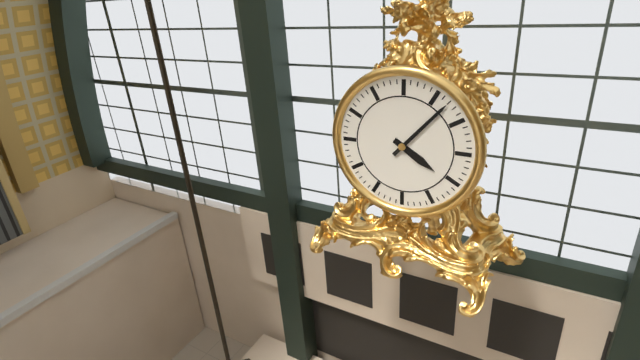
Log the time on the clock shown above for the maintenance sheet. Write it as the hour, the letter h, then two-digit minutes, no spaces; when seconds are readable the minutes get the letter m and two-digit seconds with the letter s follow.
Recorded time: 4h07
